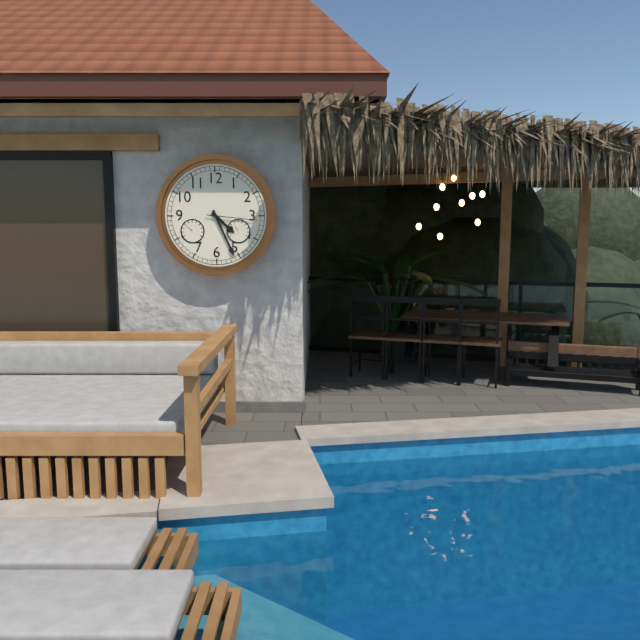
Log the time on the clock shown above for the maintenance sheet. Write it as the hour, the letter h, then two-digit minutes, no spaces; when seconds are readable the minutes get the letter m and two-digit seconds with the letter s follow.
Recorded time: 4h26m16s
